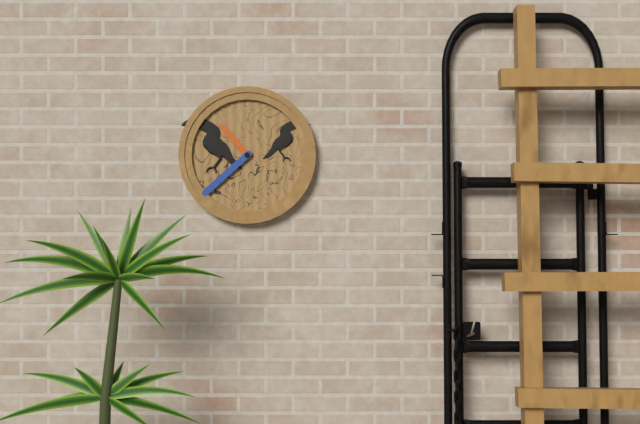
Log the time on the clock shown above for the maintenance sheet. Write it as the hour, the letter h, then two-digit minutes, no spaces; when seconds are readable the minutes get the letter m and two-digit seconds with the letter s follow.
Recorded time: 10h38
